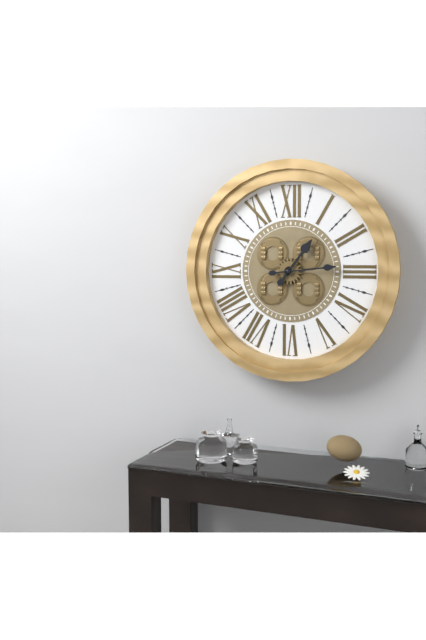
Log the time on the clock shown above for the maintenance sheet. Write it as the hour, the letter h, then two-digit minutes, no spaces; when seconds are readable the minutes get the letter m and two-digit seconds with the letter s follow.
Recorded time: 1h14
